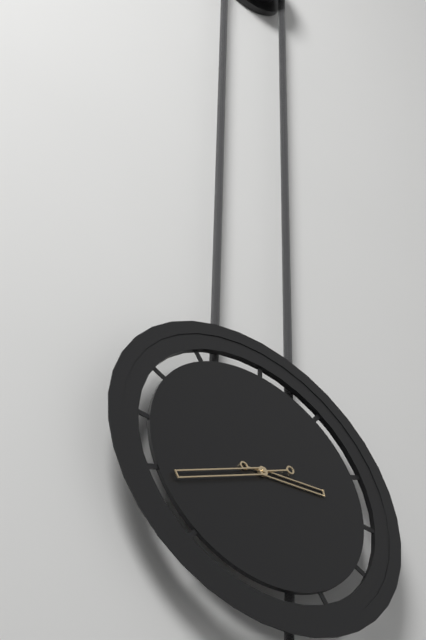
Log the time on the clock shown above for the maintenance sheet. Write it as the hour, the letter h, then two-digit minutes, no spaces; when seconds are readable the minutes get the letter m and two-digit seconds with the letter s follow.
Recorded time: 2h40
